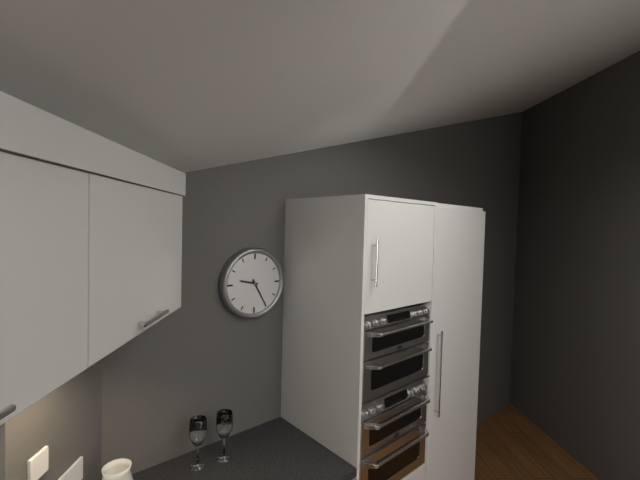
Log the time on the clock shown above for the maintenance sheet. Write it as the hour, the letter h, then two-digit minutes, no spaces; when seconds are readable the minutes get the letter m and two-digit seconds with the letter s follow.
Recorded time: 9h25
